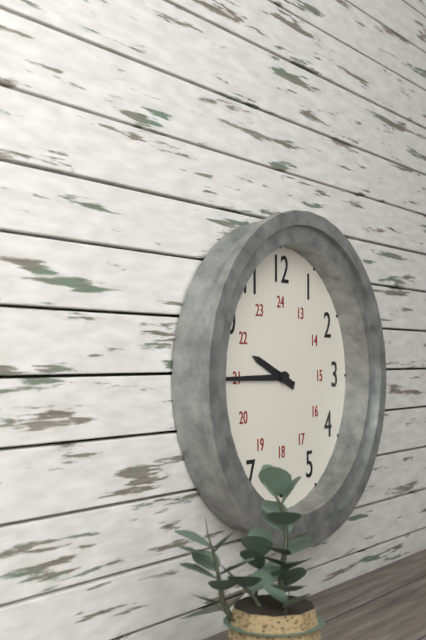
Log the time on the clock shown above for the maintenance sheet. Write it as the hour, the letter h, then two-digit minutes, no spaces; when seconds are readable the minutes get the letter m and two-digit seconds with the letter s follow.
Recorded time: 9h45
